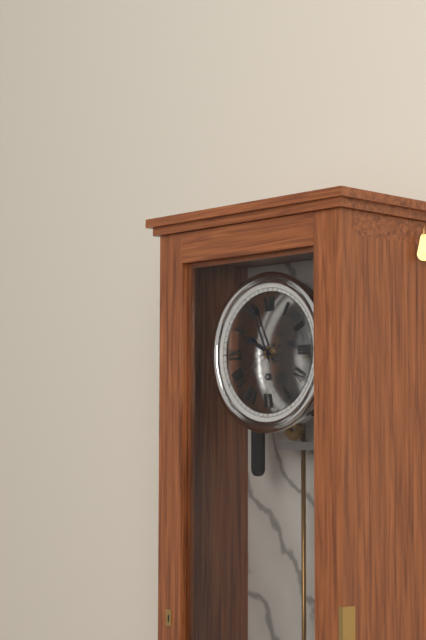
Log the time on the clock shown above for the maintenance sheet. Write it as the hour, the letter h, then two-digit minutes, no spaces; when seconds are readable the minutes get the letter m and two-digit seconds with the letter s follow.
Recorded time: 9h56m40s
